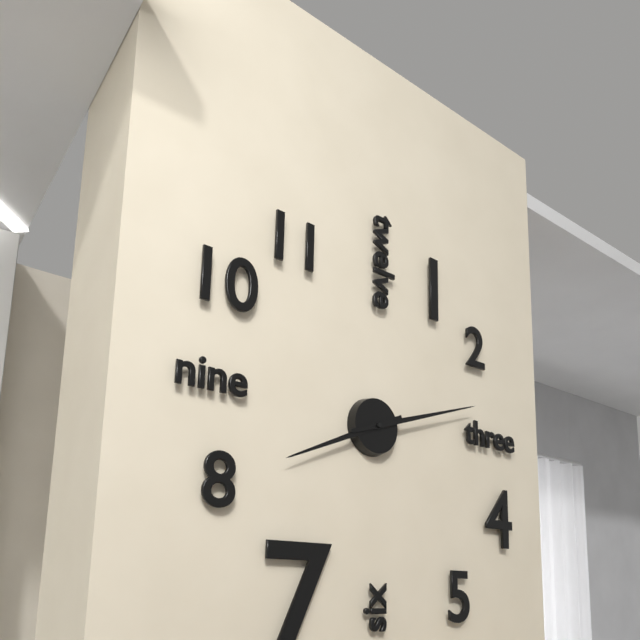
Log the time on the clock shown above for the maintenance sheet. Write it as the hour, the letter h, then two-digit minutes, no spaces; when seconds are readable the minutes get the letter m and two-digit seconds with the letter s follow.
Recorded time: 8h12
